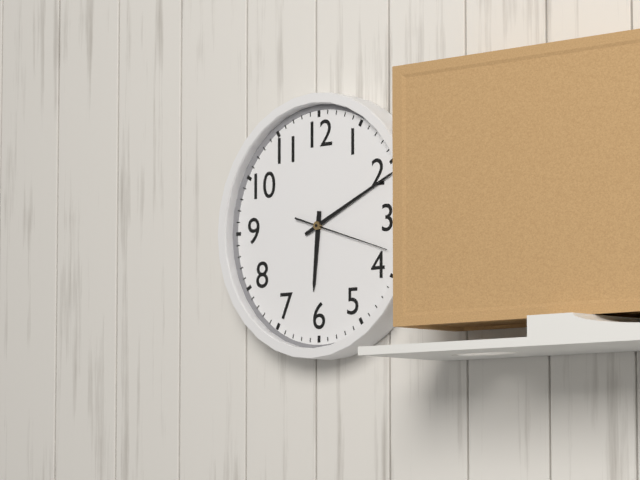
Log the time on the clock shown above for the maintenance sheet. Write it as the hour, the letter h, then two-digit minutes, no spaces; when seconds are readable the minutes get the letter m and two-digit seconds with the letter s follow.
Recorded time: 6h11m18s
